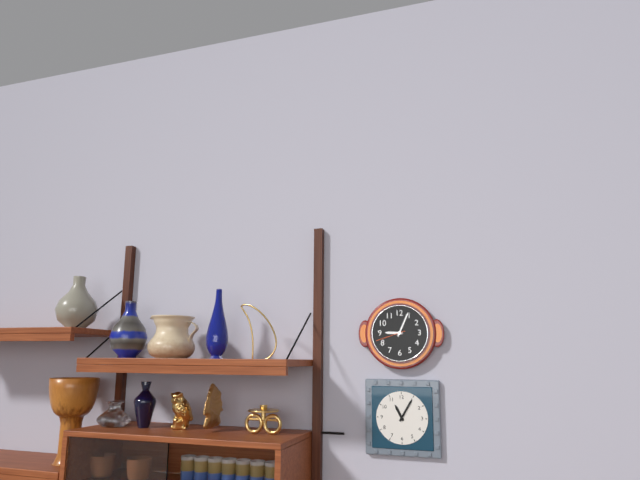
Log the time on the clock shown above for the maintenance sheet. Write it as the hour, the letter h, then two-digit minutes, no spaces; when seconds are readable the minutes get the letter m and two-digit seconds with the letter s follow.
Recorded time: 9h04
